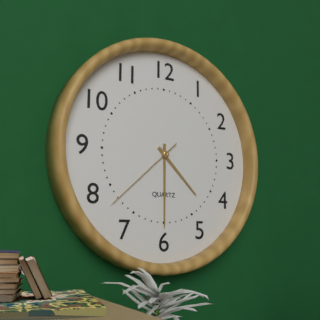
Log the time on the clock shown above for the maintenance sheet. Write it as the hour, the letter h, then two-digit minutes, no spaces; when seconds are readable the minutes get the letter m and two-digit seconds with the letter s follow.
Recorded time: 4h30m38s
